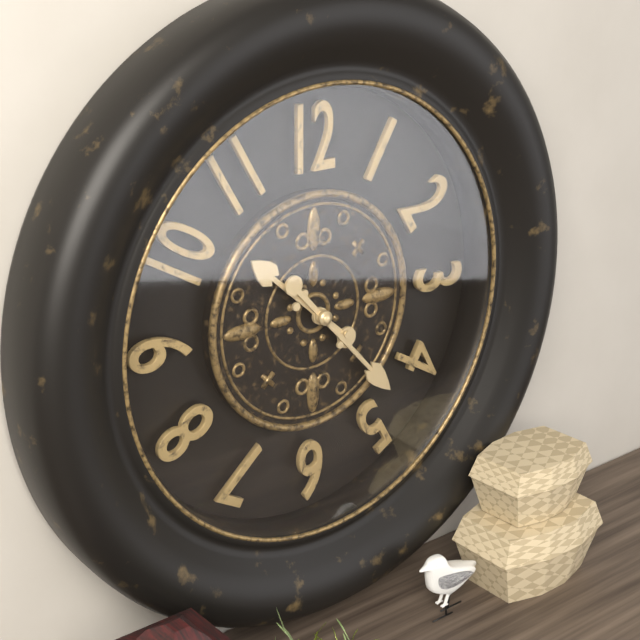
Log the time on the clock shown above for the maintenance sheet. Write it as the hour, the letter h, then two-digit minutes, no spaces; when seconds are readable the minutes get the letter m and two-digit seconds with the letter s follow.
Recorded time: 10h23
